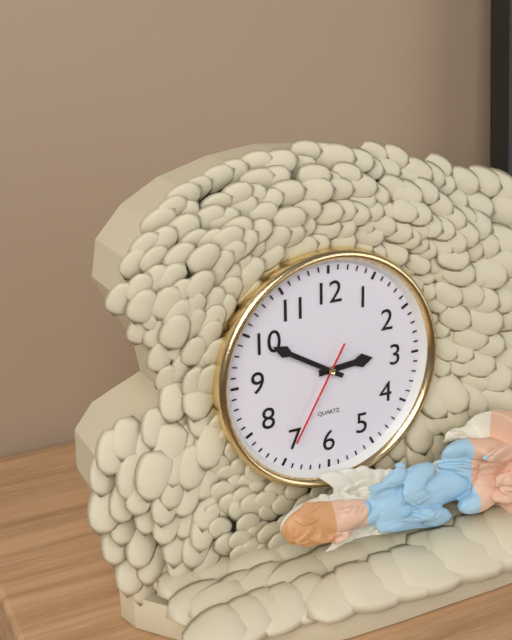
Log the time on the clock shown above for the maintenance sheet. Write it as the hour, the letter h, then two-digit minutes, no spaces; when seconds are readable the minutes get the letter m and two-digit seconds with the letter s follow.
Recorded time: 2h50m35s
